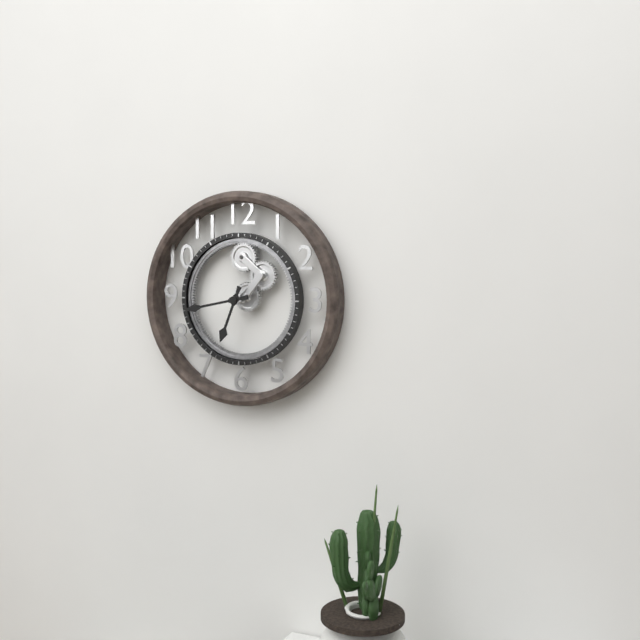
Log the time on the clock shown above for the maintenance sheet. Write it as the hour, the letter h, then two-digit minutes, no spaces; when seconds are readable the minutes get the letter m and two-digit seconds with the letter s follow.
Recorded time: 6h43
